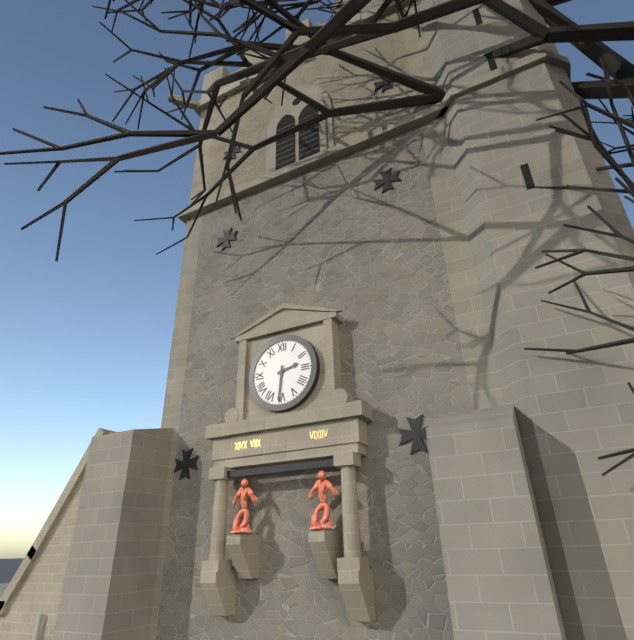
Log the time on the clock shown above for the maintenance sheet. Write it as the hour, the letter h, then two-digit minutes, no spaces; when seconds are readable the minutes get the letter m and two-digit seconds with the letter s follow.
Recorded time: 2h31
